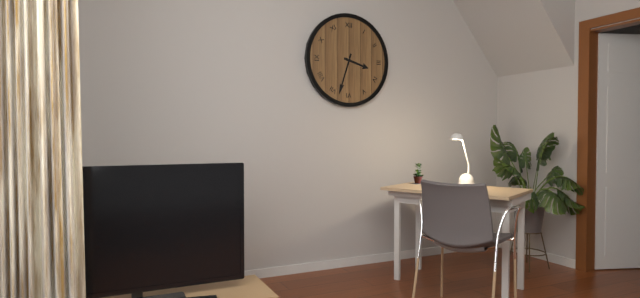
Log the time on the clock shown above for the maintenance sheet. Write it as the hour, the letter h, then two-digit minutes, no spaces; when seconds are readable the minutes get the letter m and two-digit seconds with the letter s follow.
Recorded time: 3h33
